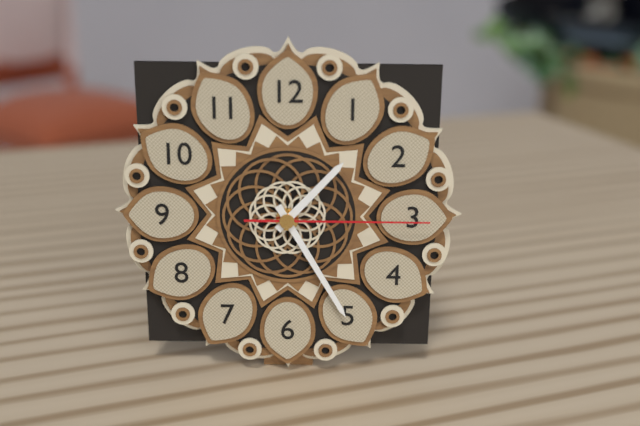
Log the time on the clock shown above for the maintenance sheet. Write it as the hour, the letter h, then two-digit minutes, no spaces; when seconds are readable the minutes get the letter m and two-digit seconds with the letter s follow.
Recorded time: 1h25m15s
